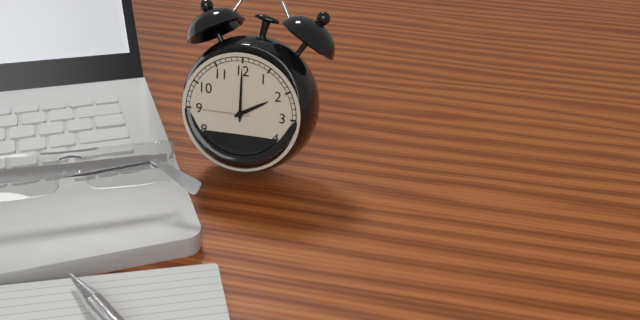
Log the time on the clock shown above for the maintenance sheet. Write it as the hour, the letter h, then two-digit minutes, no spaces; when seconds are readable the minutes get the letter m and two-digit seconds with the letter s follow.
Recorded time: 2h00m45s
